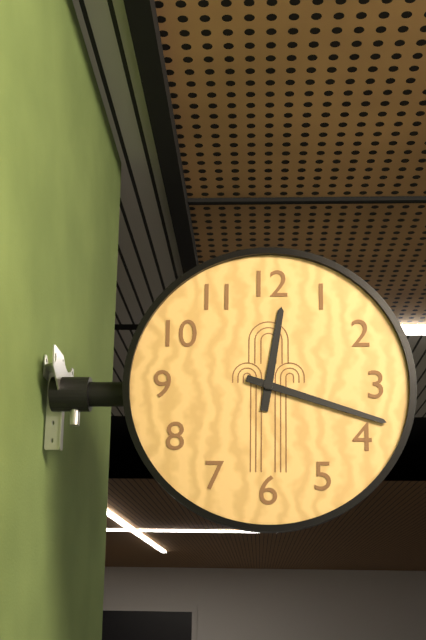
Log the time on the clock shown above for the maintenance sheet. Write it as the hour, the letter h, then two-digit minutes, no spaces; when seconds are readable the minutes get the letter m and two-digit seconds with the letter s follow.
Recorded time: 12h18
